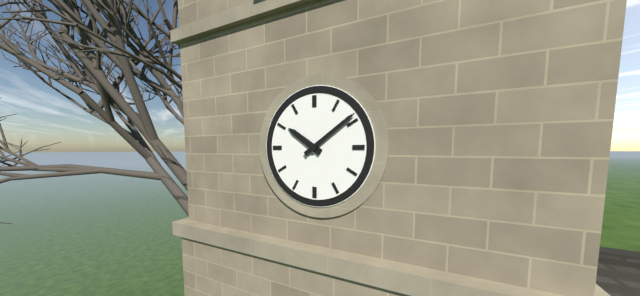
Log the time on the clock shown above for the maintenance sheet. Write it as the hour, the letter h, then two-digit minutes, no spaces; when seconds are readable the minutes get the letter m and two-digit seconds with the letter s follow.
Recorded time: 10h09
